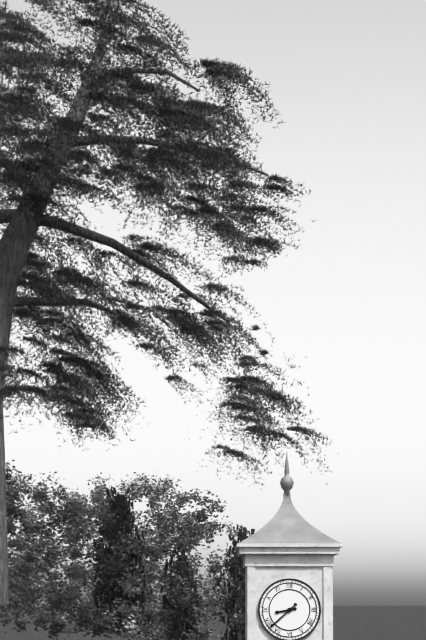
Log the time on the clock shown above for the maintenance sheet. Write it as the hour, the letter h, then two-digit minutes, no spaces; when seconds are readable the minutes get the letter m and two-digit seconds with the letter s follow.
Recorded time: 8h38
